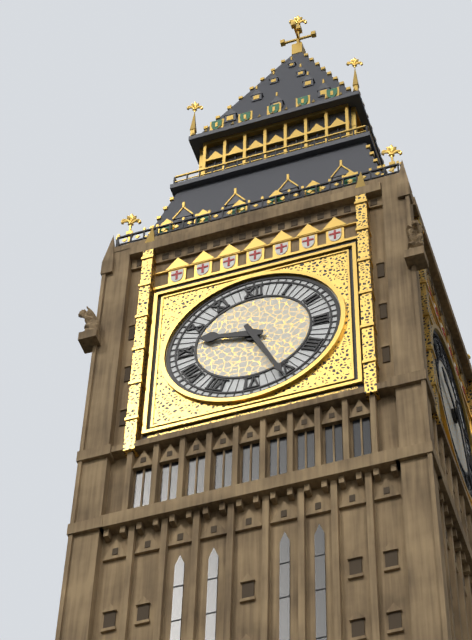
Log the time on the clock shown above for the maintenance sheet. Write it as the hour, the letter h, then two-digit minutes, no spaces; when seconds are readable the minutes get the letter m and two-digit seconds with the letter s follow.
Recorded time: 9h26
